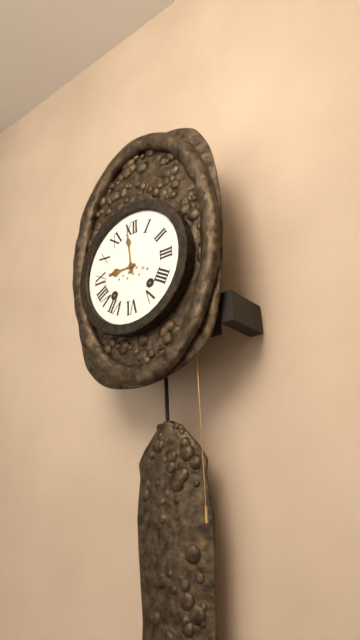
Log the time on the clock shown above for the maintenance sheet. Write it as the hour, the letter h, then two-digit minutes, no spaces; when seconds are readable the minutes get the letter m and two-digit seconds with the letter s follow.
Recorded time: 8h59
